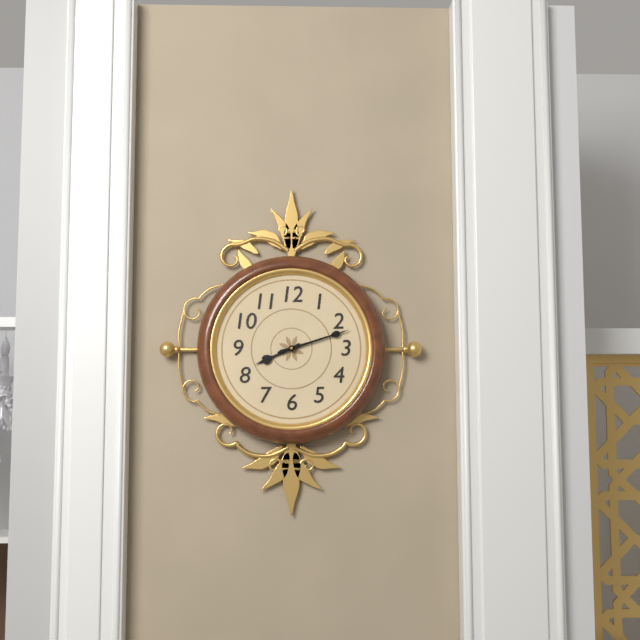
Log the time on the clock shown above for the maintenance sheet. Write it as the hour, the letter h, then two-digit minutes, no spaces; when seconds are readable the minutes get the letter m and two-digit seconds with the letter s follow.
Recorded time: 8h12m12s
